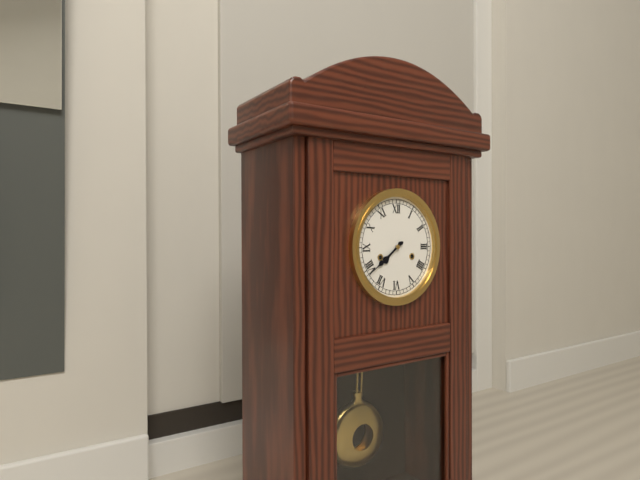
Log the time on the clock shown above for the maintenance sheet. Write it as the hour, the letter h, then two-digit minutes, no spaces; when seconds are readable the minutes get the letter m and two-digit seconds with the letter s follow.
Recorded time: 7h39
